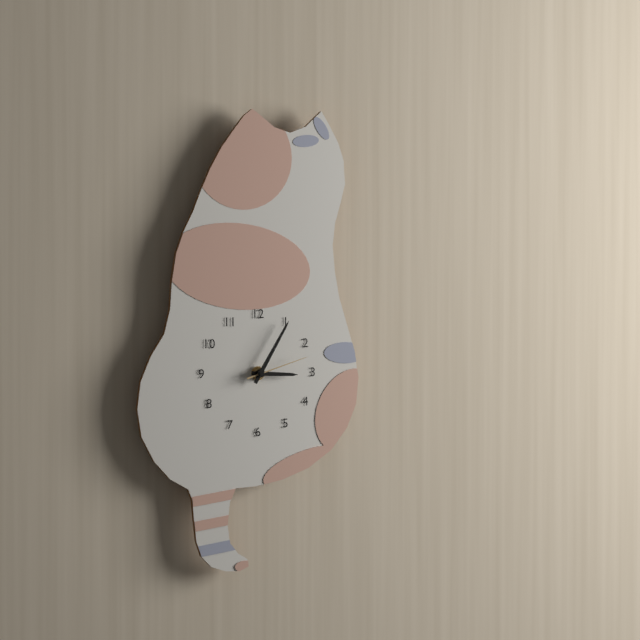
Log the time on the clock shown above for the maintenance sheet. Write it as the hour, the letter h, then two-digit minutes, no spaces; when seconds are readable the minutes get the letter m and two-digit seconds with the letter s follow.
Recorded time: 3h05m12s
